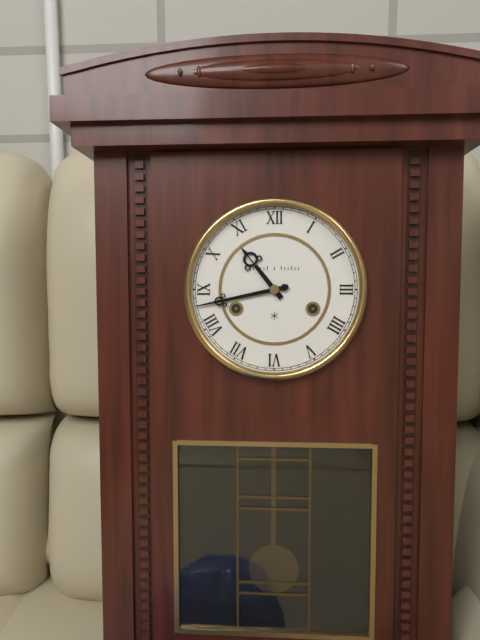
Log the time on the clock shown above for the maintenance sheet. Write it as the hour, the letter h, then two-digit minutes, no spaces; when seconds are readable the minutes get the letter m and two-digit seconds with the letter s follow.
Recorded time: 10h43
